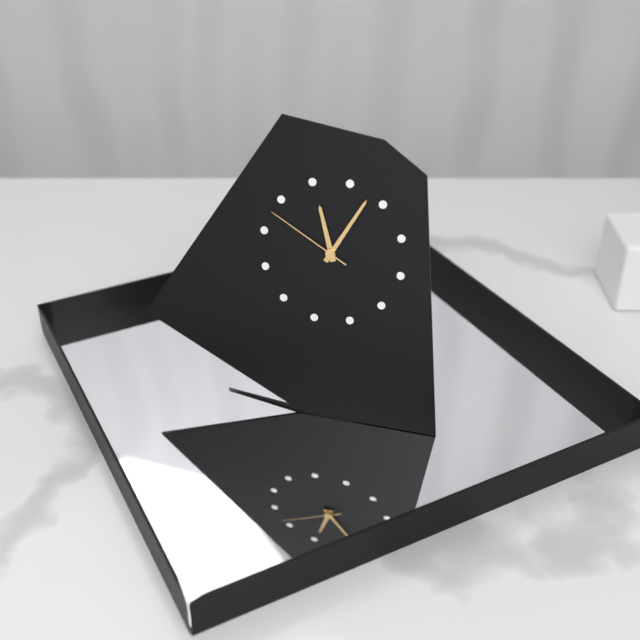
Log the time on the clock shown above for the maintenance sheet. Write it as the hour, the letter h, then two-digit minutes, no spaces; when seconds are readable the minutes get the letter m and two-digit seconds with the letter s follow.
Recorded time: 11h03m48s
